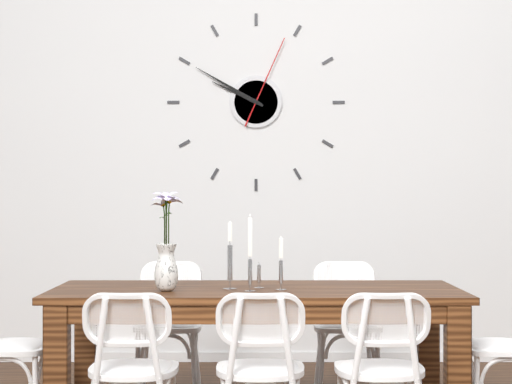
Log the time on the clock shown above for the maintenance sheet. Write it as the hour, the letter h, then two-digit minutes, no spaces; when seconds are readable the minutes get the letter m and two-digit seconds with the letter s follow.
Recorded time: 9h50m04s
